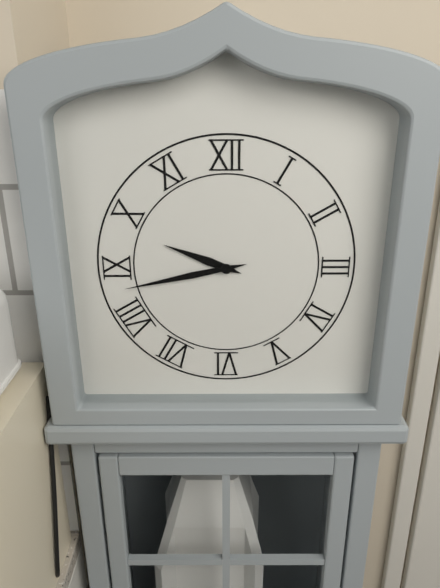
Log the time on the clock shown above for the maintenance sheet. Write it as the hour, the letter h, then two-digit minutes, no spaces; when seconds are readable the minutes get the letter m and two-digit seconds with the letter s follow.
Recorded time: 9h43
